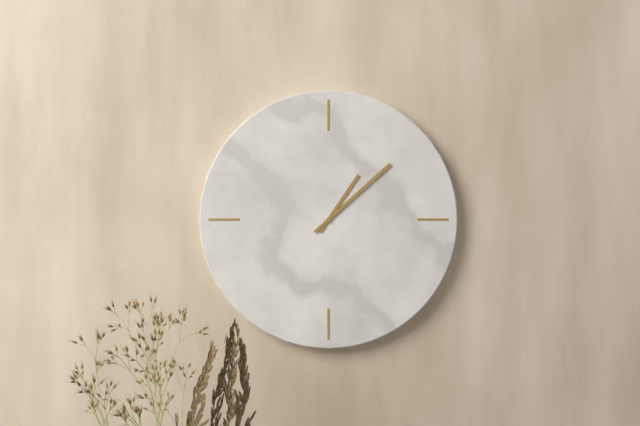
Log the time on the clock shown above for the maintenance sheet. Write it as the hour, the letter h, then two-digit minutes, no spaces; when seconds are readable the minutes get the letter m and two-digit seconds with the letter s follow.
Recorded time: 1h08
